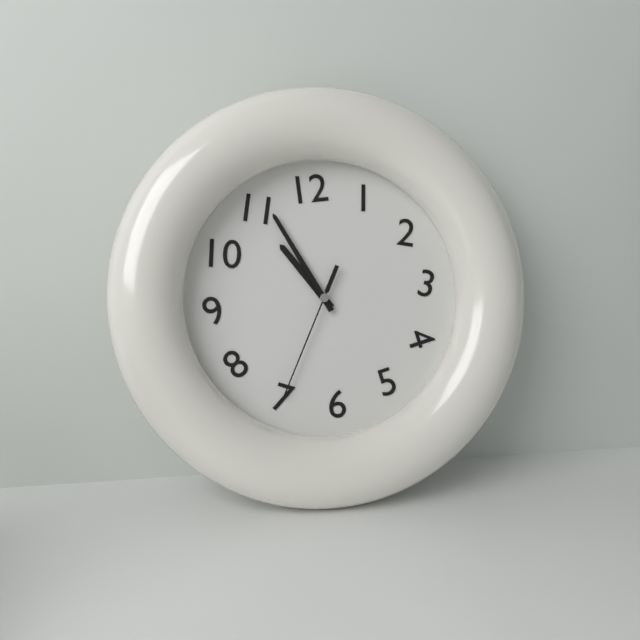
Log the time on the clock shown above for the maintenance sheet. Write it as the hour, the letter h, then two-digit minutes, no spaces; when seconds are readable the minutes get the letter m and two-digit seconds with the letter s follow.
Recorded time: 10h56m35s
